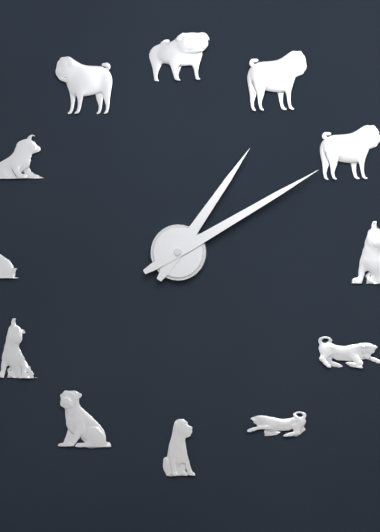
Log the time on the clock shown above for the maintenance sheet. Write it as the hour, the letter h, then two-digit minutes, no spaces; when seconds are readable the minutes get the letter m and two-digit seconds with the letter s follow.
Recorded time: 1h10
